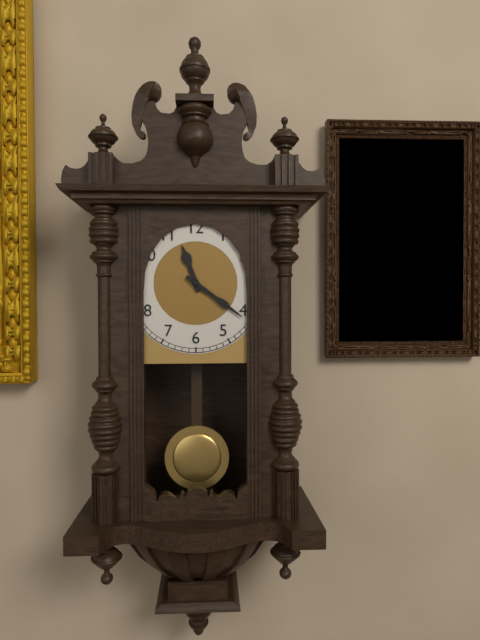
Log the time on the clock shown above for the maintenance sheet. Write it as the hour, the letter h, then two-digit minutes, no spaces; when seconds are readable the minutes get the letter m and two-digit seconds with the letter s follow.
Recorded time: 11h21
